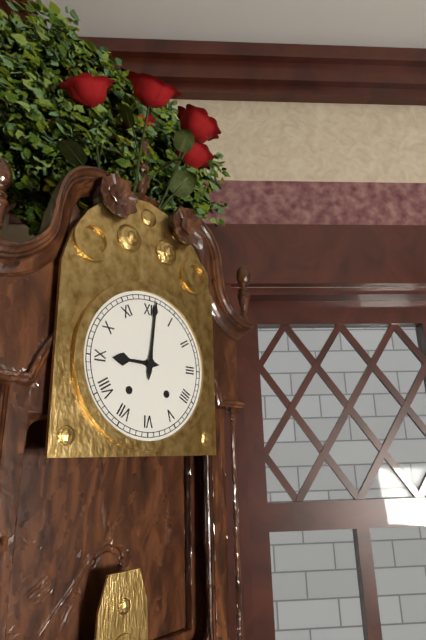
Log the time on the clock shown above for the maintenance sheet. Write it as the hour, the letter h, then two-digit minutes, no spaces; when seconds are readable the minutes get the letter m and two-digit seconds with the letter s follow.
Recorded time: 9h01
